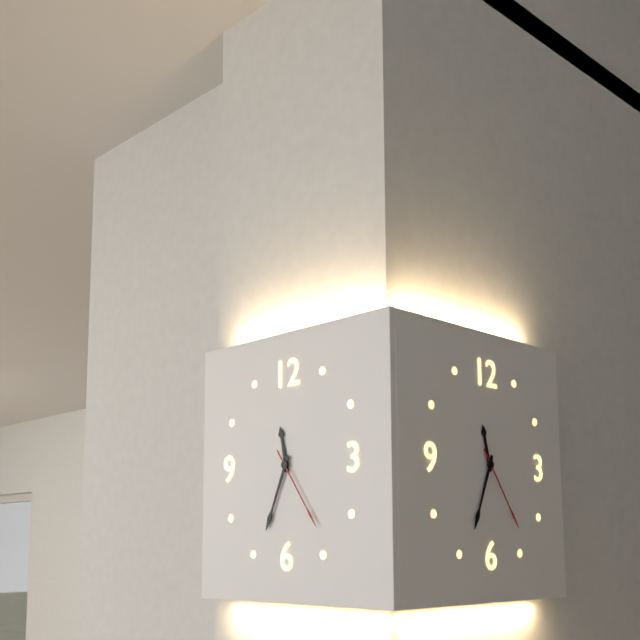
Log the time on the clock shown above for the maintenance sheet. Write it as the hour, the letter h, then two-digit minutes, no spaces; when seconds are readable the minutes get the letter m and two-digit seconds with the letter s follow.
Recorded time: 11h34m24s
